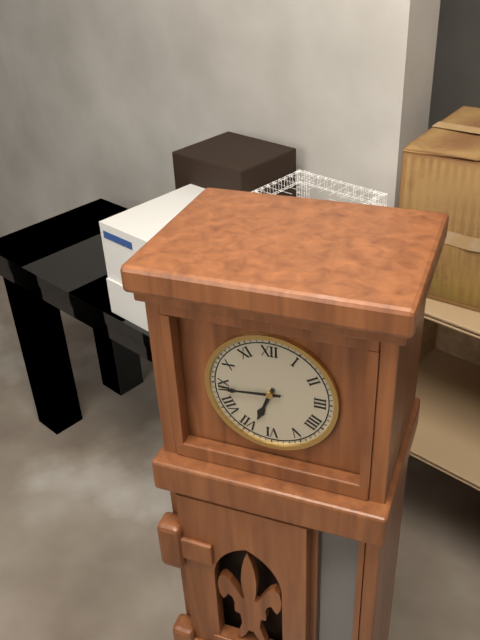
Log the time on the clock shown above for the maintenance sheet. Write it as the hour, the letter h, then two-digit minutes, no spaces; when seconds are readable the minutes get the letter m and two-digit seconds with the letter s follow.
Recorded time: 6h44
